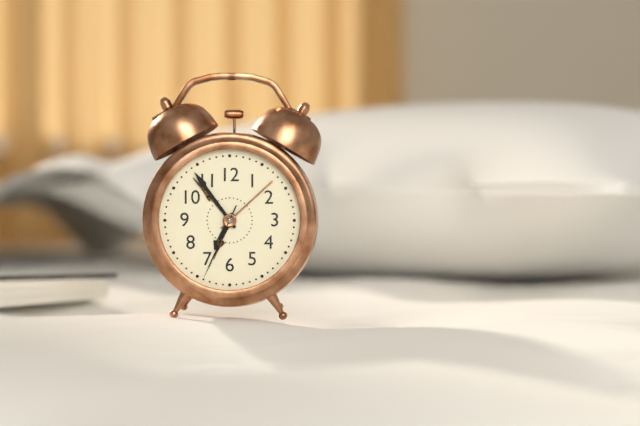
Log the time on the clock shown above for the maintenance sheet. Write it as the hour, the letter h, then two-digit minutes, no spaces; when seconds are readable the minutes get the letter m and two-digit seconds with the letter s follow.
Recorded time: 6h54m34s
